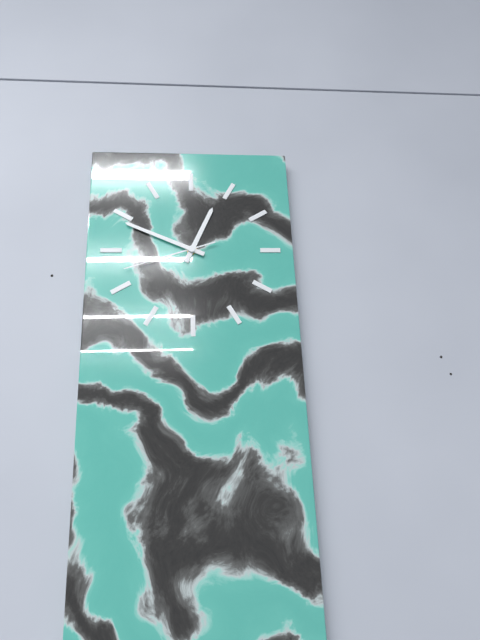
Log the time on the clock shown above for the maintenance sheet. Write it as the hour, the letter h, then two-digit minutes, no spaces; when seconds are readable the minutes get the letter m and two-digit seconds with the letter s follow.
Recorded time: 12h49m42s
